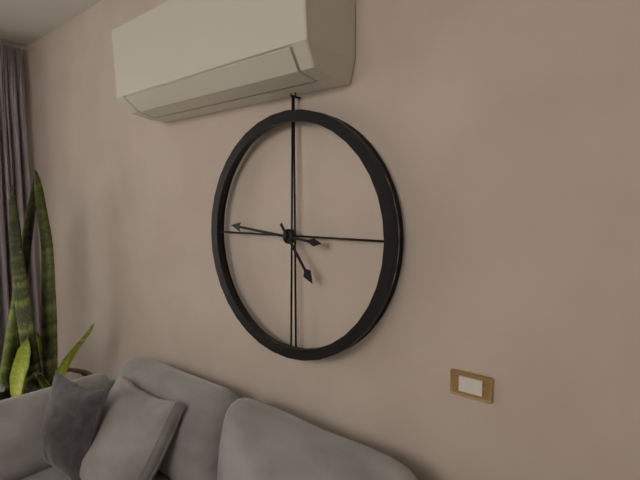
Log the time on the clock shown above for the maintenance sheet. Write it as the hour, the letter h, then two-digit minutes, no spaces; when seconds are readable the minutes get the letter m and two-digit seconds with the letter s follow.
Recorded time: 4h46
